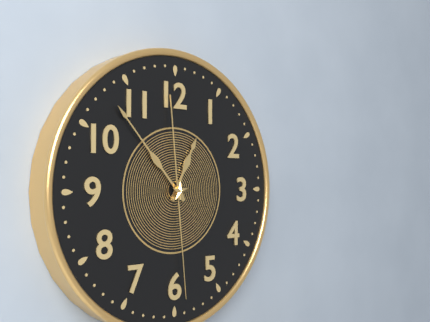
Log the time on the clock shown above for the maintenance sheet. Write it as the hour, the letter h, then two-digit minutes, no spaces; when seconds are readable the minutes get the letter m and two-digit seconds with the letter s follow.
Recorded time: 12h53m29s
